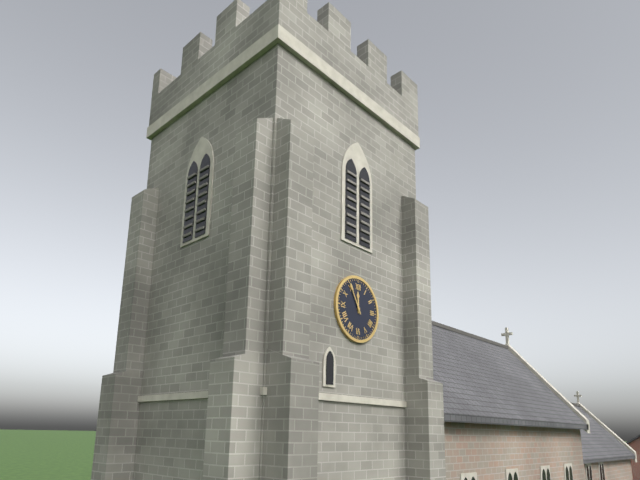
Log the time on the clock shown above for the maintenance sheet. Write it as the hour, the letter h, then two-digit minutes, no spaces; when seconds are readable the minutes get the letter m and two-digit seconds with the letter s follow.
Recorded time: 11h55
